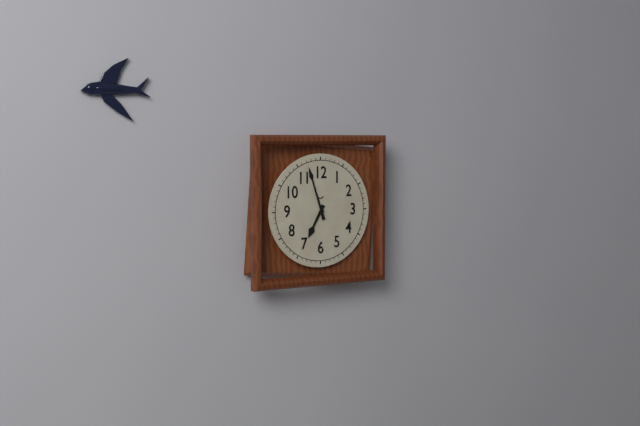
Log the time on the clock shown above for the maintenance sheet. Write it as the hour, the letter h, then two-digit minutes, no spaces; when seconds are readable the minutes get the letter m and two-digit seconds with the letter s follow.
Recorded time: 6h57
